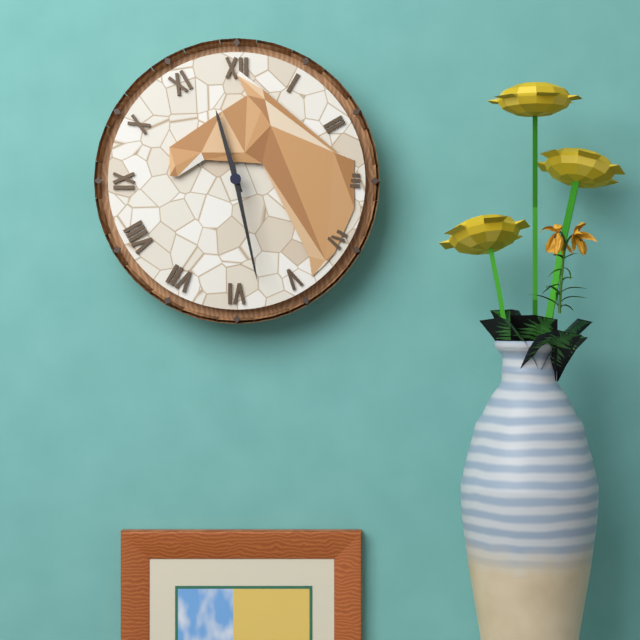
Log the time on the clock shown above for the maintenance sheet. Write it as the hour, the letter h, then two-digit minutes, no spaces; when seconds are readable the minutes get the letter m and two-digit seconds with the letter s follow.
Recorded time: 11h28
